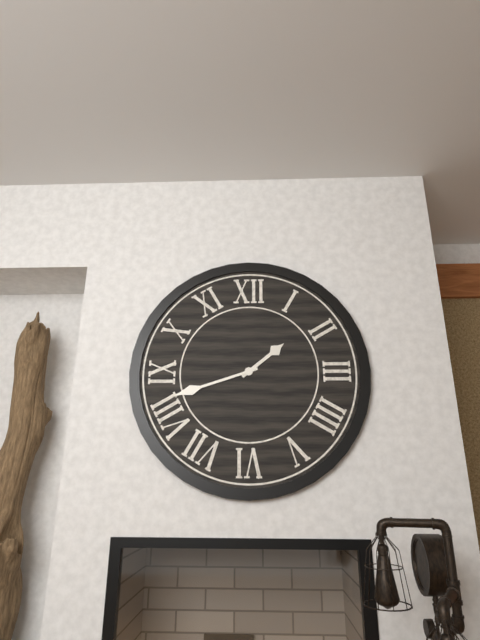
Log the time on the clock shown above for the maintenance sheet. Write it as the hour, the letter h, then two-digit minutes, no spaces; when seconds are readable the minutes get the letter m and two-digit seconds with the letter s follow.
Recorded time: 1h42
